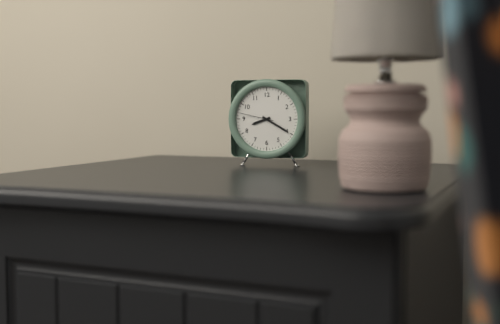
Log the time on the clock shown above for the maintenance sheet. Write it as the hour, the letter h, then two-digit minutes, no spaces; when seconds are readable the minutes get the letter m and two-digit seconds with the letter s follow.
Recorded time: 8h20
